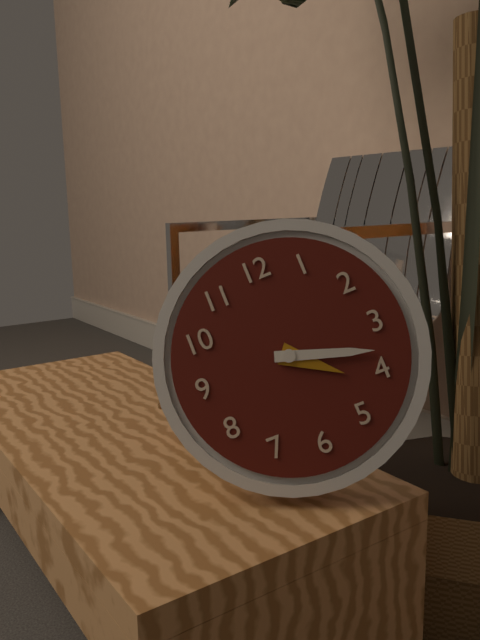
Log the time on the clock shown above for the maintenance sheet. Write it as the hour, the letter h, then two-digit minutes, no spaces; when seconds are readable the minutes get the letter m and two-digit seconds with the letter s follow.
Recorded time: 4h18
